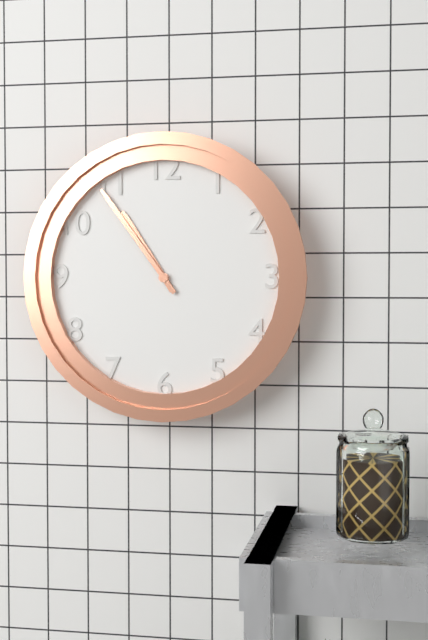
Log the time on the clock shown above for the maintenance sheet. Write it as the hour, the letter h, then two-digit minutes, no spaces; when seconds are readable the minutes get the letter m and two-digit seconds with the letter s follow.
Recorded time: 10h54
